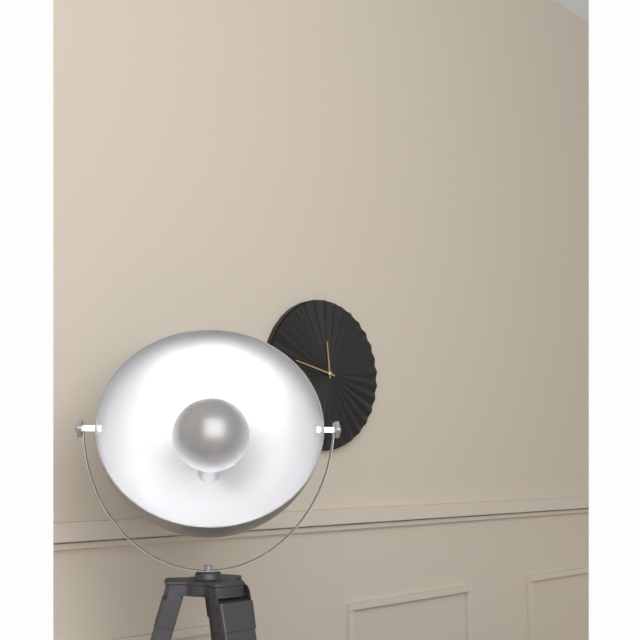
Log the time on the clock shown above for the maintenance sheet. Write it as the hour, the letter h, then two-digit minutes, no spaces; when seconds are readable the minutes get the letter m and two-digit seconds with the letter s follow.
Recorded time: 11h47
